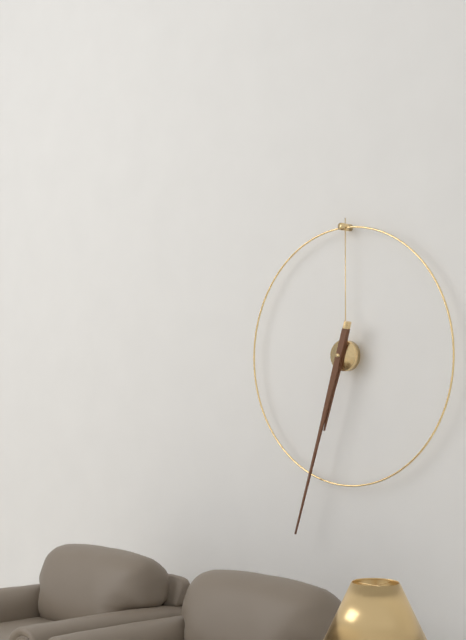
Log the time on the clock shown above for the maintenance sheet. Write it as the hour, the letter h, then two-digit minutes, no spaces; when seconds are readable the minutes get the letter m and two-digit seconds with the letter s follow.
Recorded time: 6h33
